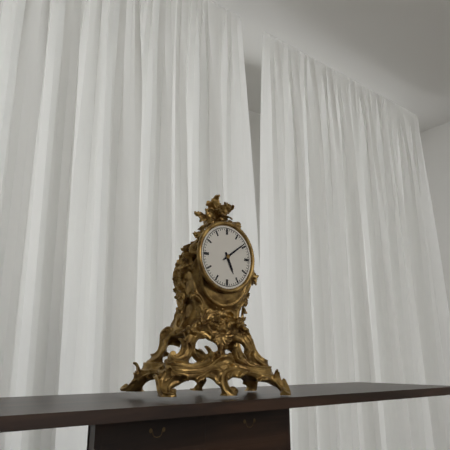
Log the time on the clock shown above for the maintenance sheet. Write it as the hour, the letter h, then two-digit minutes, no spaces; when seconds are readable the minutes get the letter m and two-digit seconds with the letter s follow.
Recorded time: 5h09
